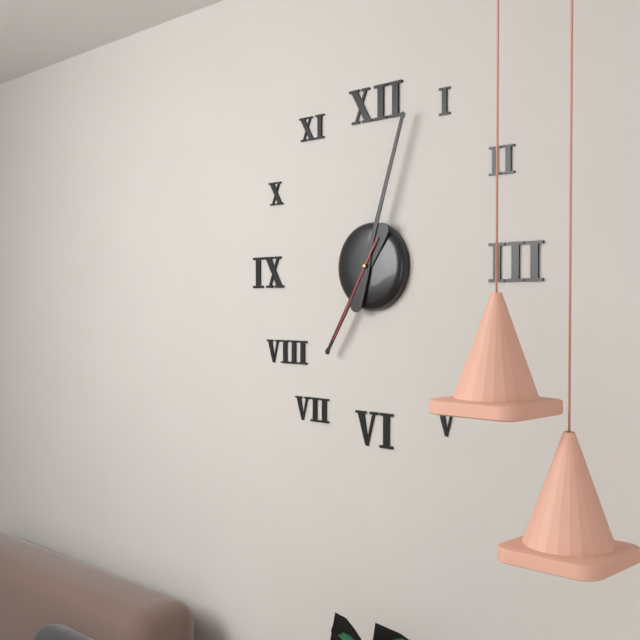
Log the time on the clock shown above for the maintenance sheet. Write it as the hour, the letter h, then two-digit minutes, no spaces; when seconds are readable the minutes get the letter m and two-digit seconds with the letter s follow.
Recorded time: 7h03m35s
